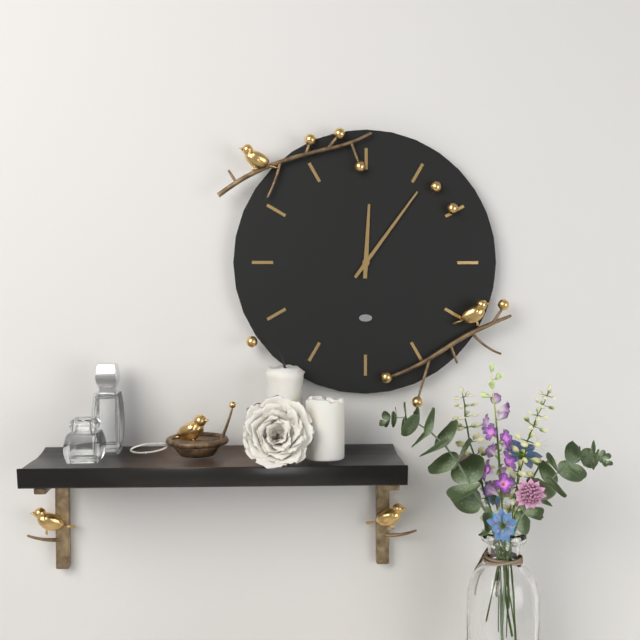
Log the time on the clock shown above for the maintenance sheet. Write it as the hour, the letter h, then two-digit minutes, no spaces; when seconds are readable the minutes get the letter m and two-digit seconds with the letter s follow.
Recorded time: 12h06
